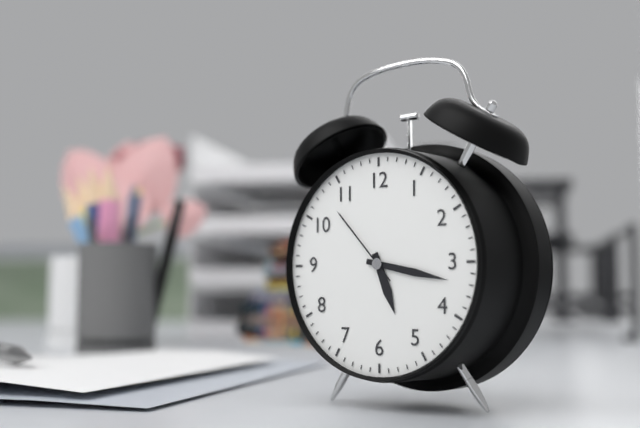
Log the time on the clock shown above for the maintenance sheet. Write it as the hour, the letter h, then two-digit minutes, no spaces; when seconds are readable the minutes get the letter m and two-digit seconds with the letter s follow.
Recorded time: 5h17m53s
